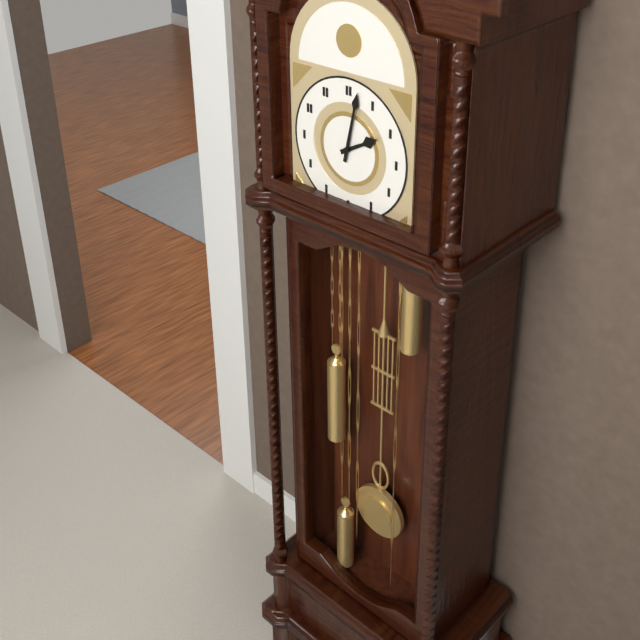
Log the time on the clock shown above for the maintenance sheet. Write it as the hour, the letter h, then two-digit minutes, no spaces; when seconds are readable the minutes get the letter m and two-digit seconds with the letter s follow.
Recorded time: 2h02
